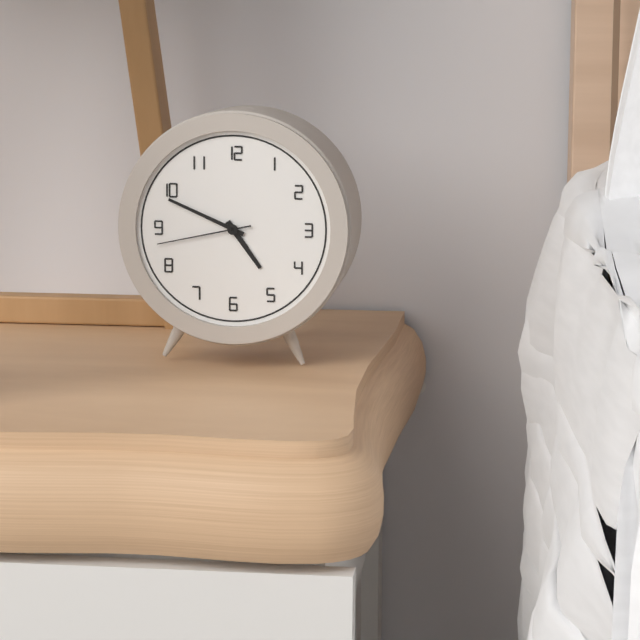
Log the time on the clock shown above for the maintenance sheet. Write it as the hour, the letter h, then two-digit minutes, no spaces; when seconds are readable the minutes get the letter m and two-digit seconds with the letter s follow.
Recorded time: 4h49m43s
